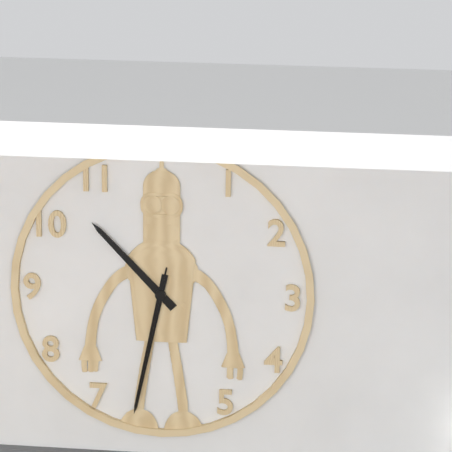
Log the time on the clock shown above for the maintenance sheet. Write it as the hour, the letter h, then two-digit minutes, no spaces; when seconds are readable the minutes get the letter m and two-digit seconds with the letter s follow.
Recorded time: 10h32m32s
